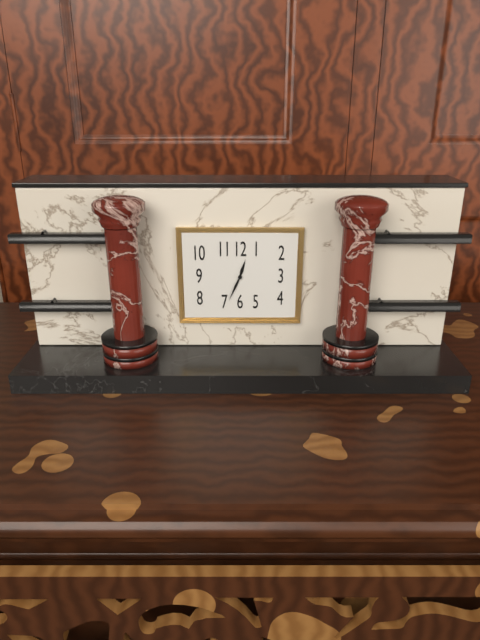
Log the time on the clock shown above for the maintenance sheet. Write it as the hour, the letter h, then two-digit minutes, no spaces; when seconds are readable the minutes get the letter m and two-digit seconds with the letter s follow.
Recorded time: 12h34
